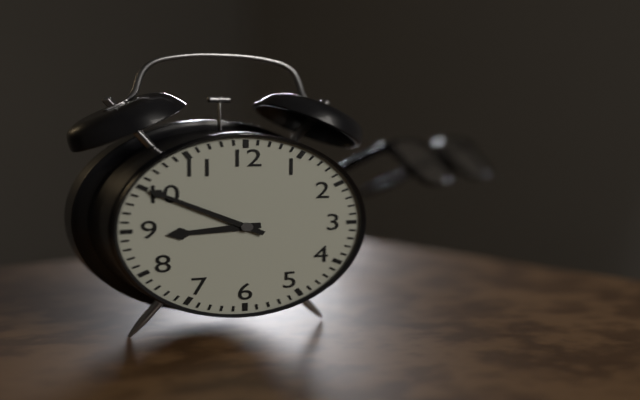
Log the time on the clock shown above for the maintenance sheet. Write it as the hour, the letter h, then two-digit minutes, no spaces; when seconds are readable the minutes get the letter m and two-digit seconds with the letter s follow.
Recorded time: 8h50
